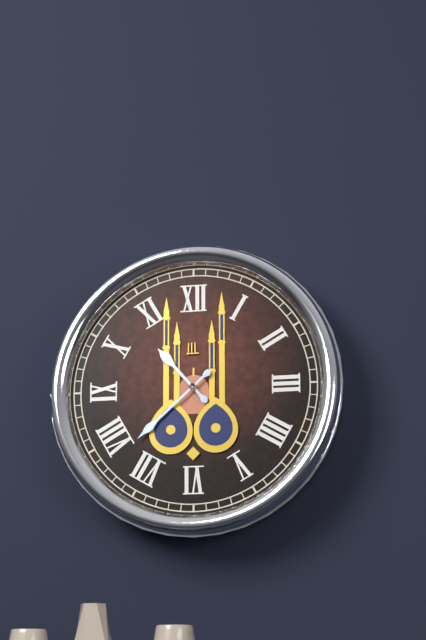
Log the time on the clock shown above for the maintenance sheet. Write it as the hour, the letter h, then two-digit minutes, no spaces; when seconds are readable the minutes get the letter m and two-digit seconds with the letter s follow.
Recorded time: 10h38
